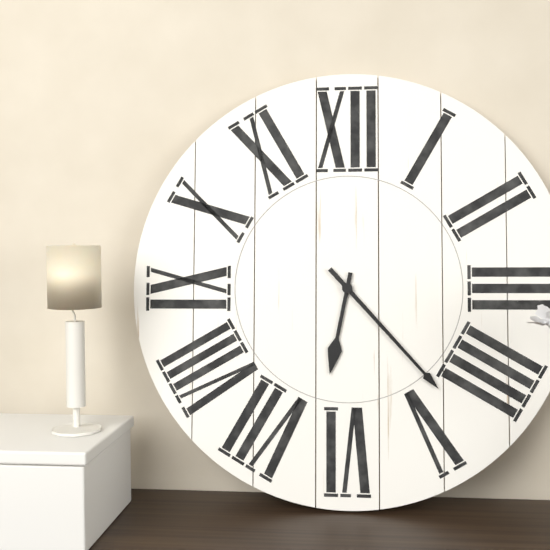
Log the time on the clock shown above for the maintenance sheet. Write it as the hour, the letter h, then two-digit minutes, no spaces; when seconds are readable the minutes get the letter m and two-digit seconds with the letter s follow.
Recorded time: 6h23
